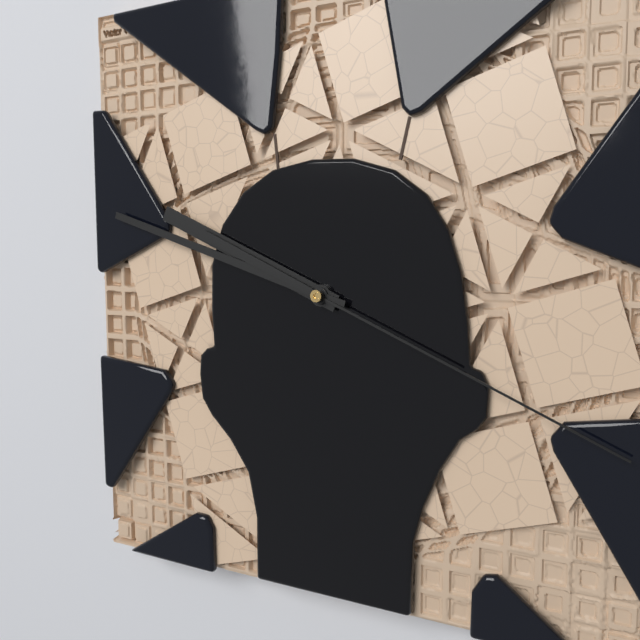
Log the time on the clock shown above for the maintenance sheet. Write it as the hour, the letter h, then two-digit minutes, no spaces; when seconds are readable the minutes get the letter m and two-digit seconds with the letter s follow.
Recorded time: 9h48m19s
